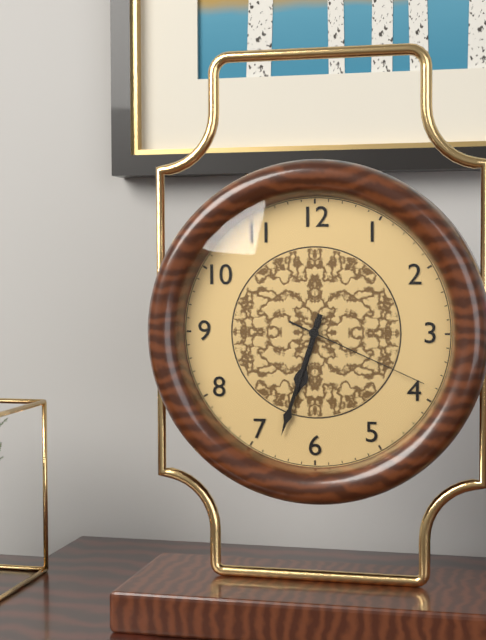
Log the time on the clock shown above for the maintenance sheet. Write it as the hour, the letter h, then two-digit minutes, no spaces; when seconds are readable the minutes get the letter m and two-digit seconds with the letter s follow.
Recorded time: 6h33m19s
